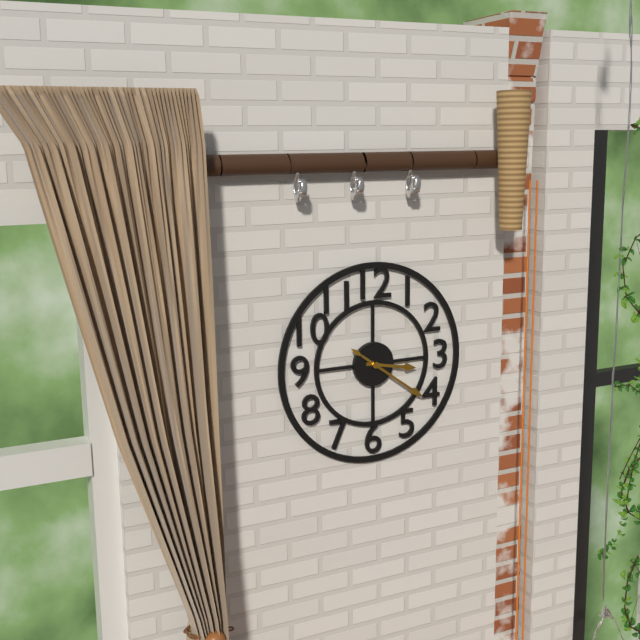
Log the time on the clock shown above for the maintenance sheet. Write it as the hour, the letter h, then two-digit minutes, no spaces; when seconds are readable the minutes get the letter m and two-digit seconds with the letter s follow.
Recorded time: 3h21
